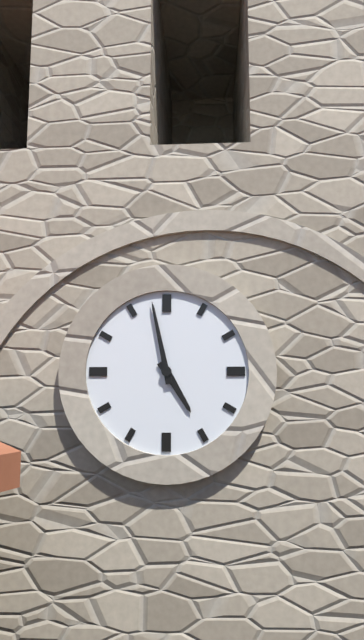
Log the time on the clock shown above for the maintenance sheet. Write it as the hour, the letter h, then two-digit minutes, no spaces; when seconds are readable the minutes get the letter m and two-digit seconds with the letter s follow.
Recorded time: 4h58
